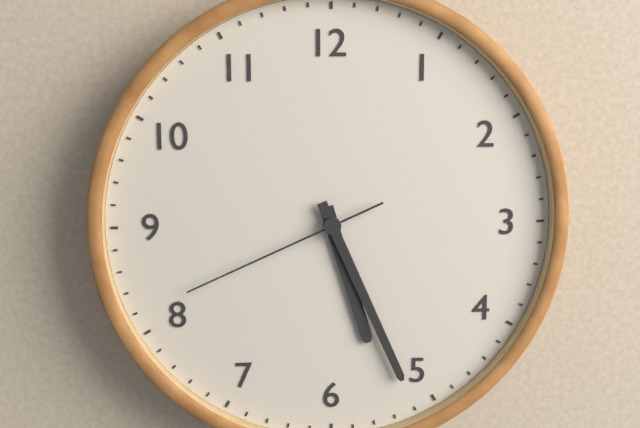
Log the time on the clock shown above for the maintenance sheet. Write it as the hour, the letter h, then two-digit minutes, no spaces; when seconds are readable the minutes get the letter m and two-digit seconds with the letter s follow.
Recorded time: 5h26m41s
